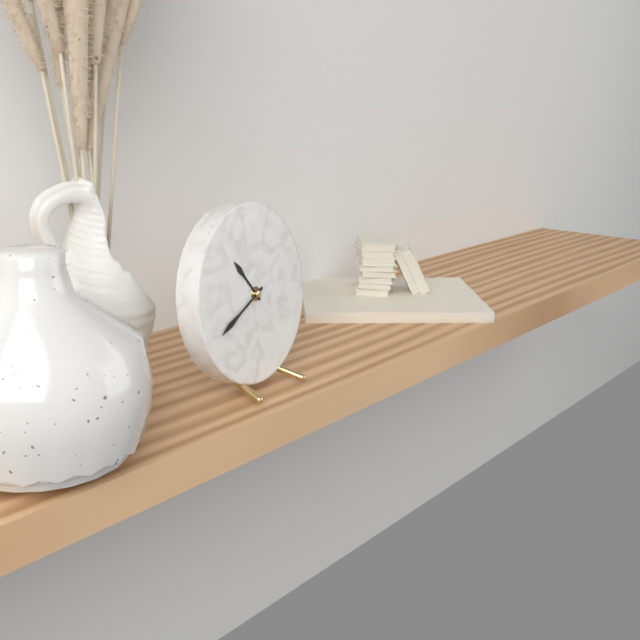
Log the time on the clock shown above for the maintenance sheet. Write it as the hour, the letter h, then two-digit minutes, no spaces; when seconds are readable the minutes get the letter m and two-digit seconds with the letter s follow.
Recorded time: 10h41
